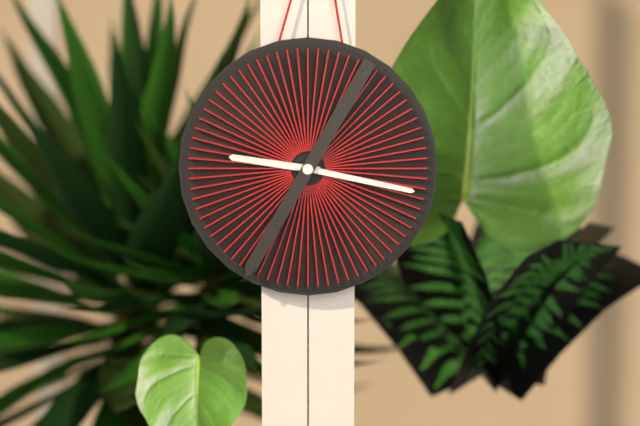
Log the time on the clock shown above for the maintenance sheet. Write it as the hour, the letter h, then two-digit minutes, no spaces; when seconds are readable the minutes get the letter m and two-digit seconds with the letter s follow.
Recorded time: 9h17m35s
